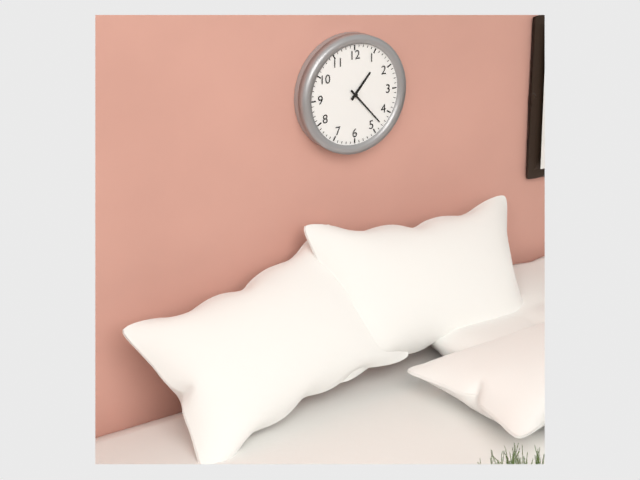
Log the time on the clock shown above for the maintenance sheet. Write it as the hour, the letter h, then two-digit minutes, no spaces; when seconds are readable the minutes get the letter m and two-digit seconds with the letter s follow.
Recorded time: 1h23
